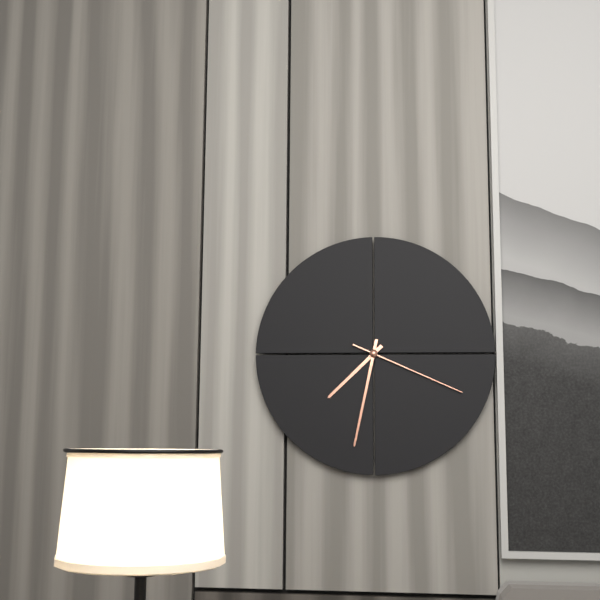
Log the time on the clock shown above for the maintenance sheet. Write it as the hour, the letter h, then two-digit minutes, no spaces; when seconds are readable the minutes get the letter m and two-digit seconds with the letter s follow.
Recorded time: 7h32m19s
